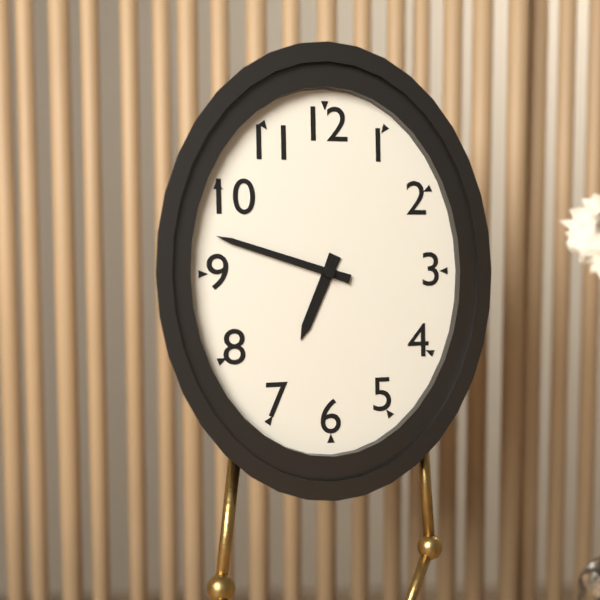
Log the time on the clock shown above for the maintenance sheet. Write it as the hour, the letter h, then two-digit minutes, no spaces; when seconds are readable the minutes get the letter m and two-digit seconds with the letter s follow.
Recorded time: 6h48
